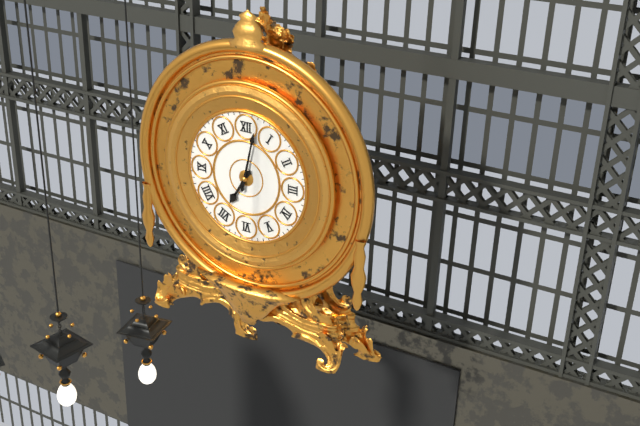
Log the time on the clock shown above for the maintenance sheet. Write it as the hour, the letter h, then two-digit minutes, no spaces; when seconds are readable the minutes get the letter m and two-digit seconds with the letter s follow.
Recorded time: 7h02
